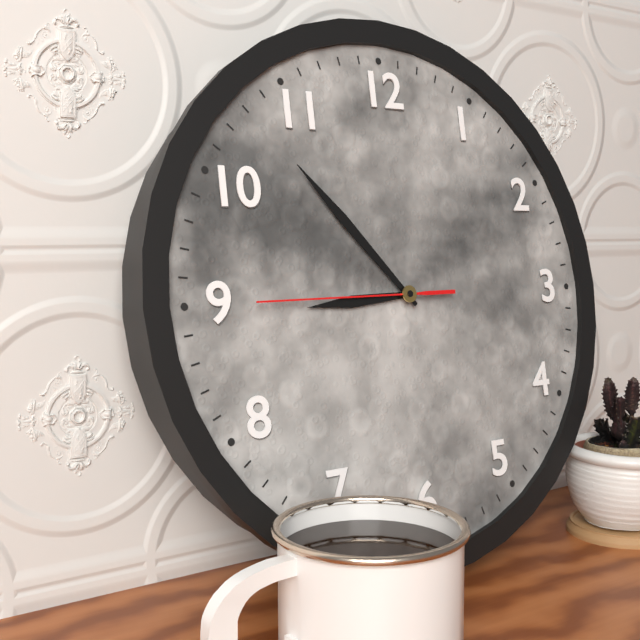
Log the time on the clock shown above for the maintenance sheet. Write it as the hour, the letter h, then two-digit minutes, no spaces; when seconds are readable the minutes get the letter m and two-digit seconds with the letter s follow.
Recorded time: 8h53m45s
